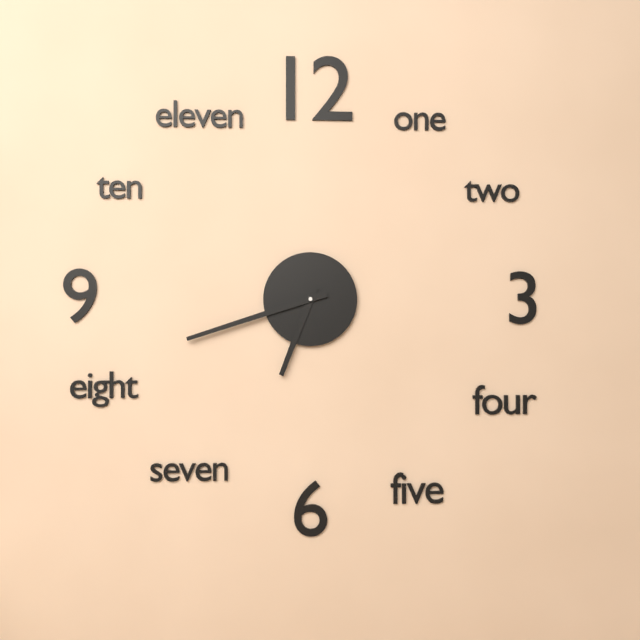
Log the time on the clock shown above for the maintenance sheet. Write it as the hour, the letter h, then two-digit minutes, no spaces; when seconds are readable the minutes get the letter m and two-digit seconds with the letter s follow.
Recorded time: 6h42
